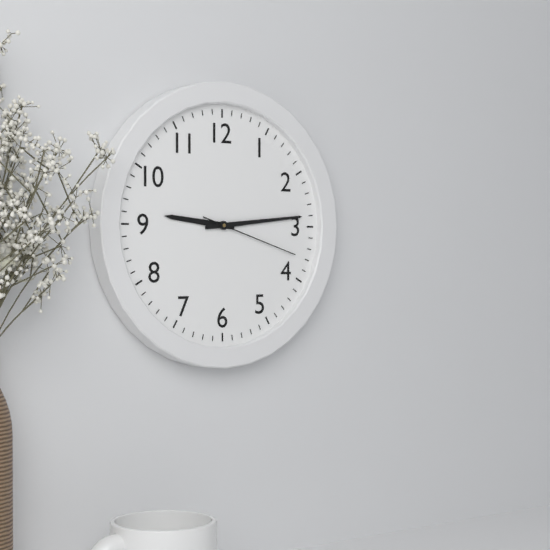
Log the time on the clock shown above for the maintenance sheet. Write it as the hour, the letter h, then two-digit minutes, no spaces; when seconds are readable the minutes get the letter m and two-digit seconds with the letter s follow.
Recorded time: 9h14m18s
